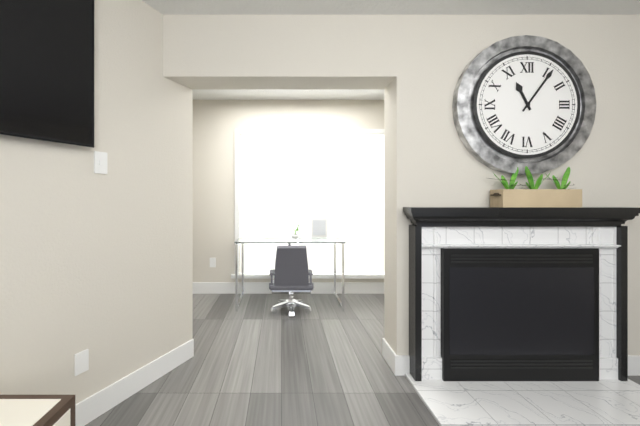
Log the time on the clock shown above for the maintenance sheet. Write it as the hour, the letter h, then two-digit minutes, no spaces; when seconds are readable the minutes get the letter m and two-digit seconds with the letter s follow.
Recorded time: 11h06
